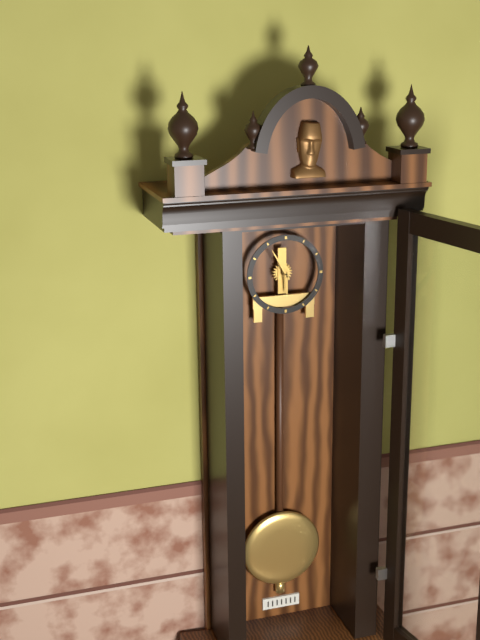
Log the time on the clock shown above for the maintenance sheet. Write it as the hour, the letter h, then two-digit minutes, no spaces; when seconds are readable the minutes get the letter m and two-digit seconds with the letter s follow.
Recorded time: 5h55
